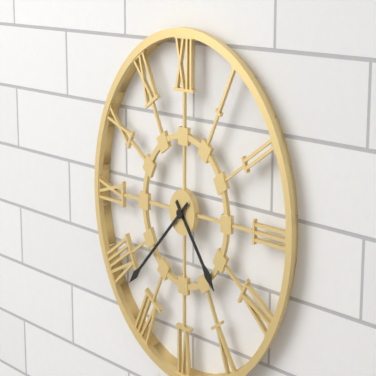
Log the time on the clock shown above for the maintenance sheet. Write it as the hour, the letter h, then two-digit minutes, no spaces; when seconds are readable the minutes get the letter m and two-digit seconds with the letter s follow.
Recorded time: 4h38
